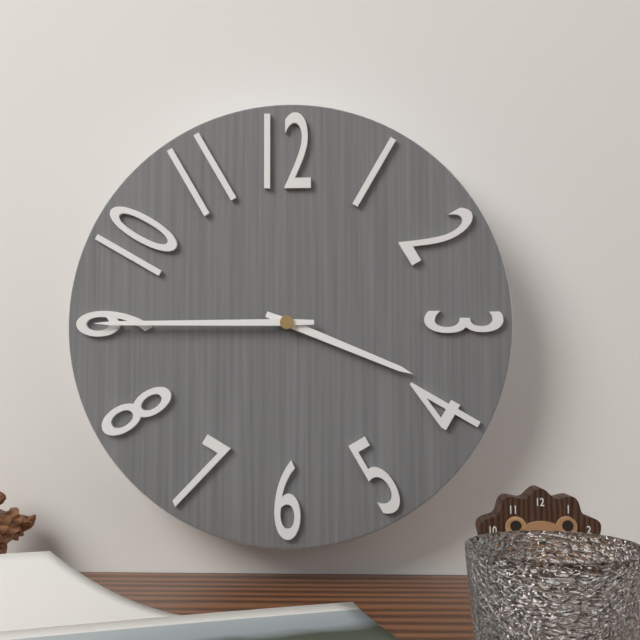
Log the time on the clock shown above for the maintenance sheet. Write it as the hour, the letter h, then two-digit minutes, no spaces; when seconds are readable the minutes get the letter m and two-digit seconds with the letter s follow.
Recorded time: 3h45
